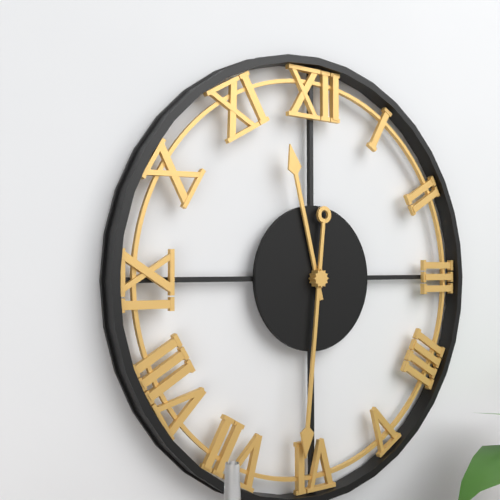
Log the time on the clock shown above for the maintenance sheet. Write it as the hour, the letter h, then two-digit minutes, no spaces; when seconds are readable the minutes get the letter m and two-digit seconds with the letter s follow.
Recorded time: 11h31
